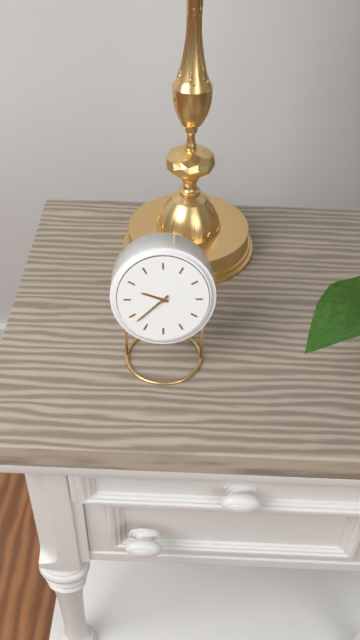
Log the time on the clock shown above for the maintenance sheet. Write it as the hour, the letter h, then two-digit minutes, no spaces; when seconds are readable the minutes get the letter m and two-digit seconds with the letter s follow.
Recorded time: 9h38
